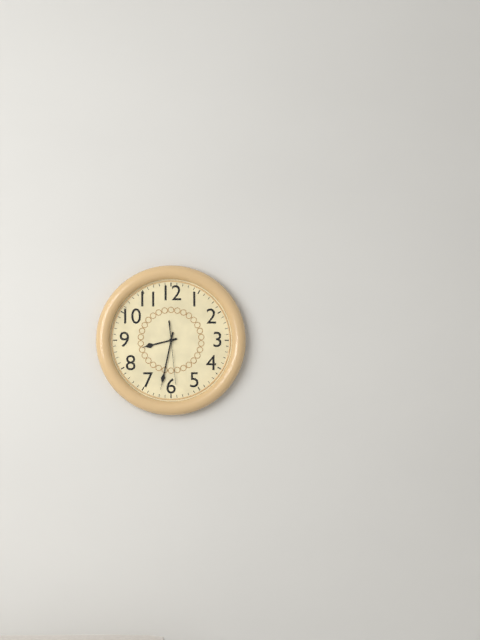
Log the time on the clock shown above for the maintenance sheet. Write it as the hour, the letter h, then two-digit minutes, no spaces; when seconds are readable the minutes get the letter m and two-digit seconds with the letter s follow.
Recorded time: 8h32m29s
